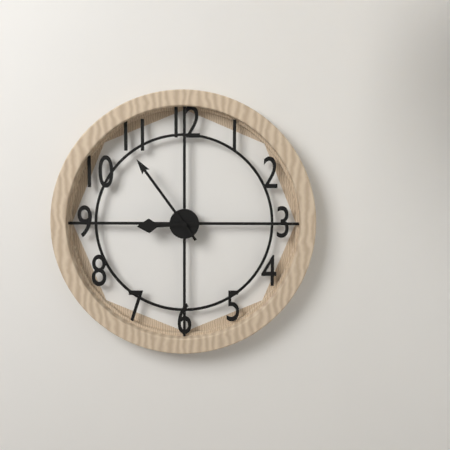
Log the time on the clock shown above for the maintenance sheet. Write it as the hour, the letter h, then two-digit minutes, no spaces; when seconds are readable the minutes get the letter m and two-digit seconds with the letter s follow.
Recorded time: 8h54
